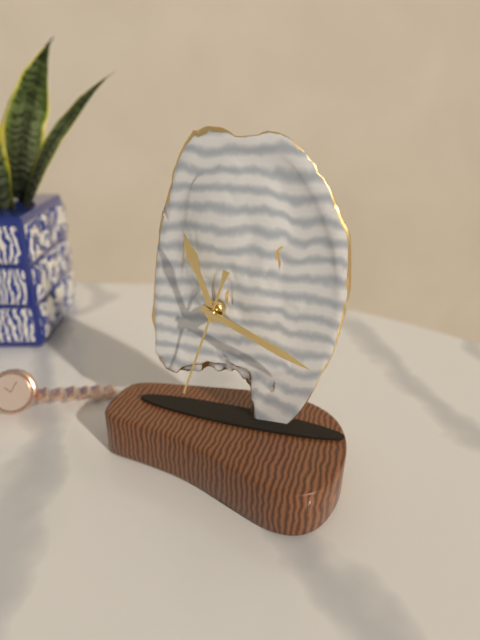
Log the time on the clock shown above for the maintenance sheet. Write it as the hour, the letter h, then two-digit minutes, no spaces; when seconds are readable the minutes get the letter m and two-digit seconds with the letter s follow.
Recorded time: 11h19m33s
